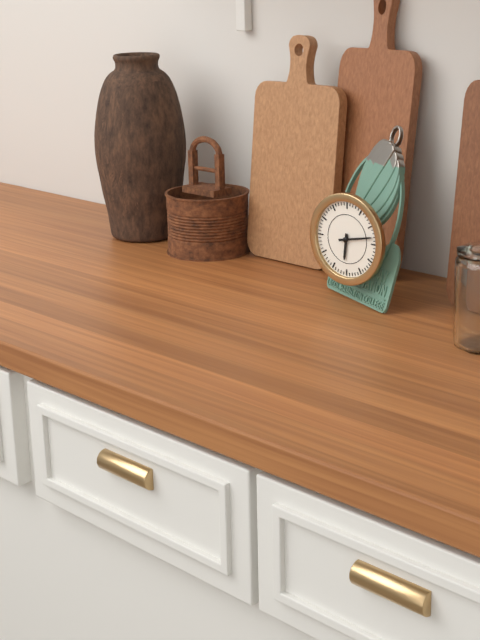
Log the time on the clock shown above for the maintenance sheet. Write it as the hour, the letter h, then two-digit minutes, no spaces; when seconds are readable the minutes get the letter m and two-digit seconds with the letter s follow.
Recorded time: 6h13
